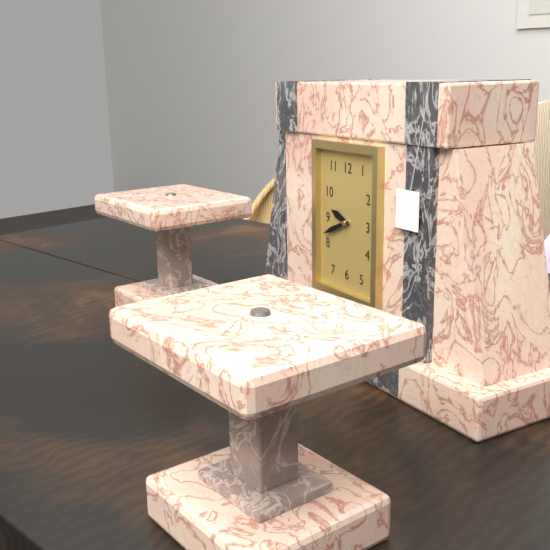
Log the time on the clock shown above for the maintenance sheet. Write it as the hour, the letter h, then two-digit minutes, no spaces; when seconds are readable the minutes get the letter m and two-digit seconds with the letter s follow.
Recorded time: 9h41
